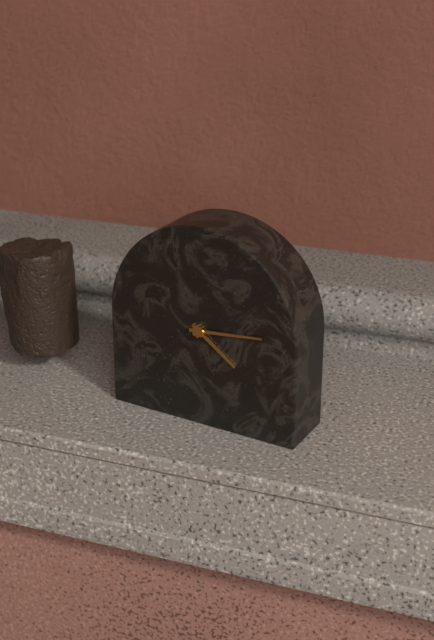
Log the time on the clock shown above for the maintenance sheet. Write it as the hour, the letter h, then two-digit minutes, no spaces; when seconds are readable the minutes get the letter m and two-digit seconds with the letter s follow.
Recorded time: 4h14
